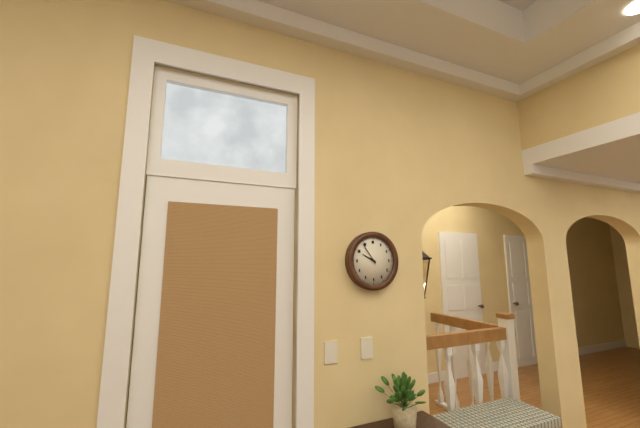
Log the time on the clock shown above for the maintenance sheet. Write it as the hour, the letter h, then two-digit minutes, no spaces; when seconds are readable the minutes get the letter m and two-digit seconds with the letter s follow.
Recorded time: 9h54
